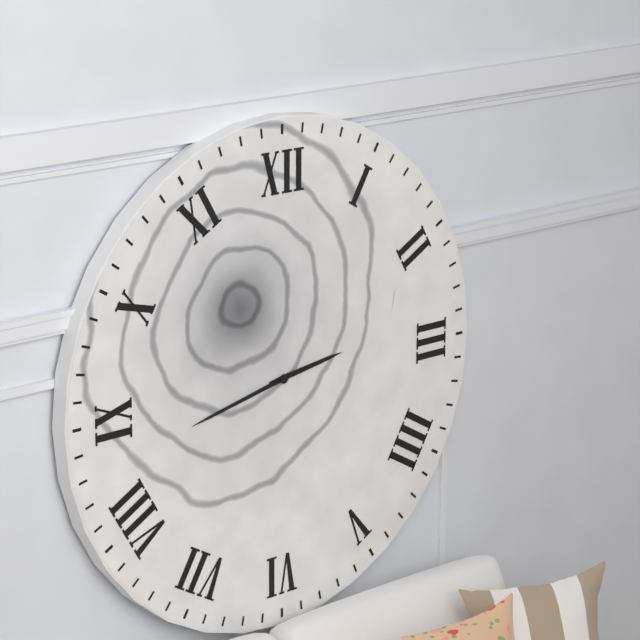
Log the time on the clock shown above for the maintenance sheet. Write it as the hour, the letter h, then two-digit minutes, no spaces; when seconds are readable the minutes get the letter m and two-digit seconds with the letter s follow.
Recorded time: 2h43
